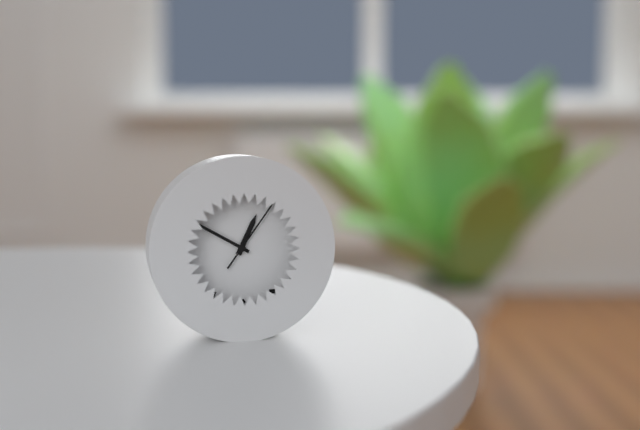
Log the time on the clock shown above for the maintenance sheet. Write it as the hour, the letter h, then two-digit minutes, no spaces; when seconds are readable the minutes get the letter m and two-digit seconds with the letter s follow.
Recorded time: 12h50m06s
